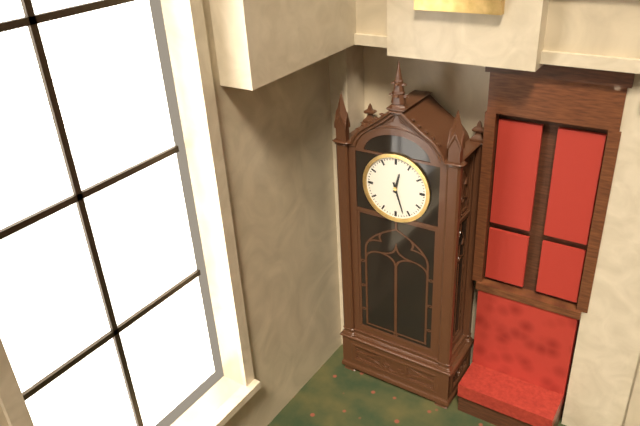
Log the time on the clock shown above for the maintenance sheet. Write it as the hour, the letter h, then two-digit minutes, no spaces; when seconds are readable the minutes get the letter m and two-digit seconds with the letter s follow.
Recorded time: 12h27
